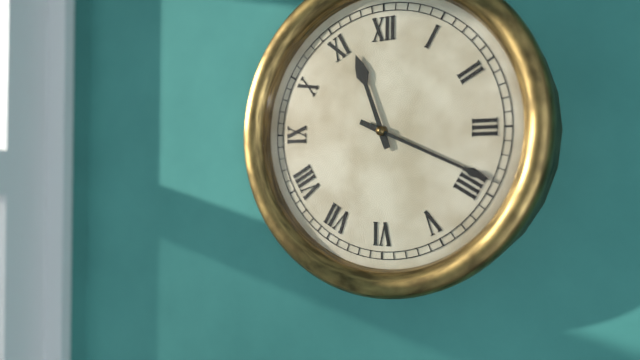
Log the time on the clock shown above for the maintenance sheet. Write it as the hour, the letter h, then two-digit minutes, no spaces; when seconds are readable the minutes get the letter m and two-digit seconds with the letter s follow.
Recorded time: 11h19
